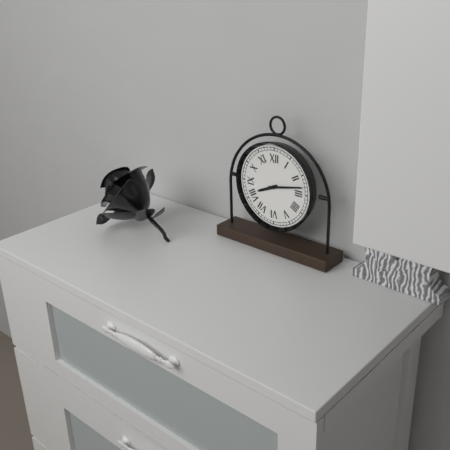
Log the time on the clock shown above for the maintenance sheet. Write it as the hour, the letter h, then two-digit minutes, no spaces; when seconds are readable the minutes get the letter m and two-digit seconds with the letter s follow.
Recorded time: 8h13
